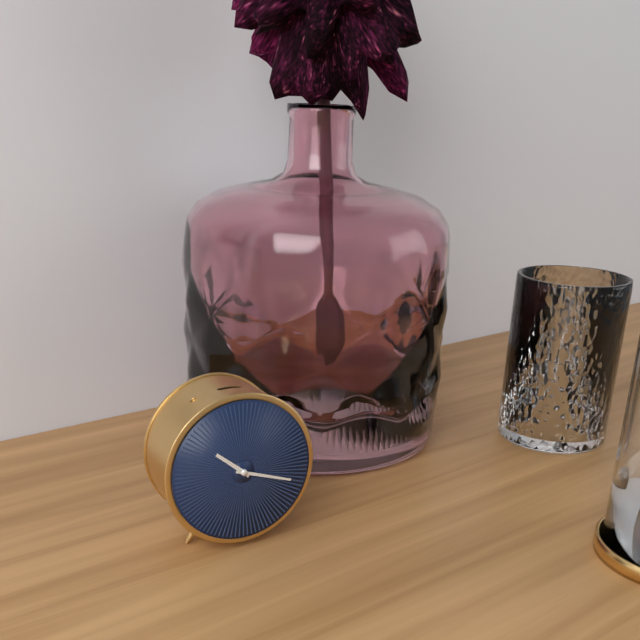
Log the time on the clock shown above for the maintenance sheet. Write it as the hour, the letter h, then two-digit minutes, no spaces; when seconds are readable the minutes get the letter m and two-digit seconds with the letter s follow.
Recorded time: 10h18
